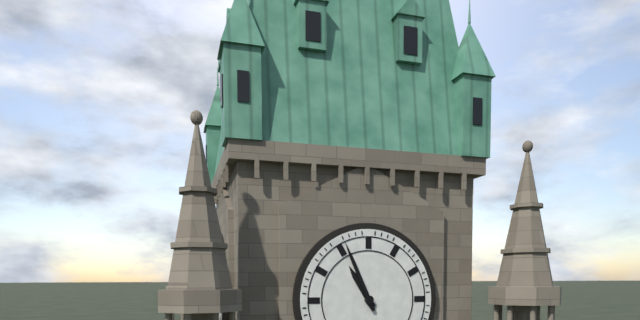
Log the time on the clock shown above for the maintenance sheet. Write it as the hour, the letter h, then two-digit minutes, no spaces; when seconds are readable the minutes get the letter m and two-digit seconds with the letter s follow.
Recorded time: 10h56
